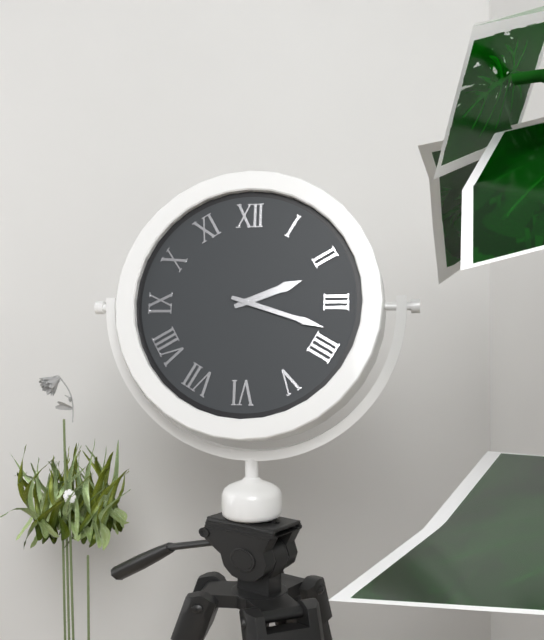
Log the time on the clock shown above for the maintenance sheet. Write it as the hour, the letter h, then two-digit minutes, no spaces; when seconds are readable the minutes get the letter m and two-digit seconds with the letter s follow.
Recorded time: 2h18
